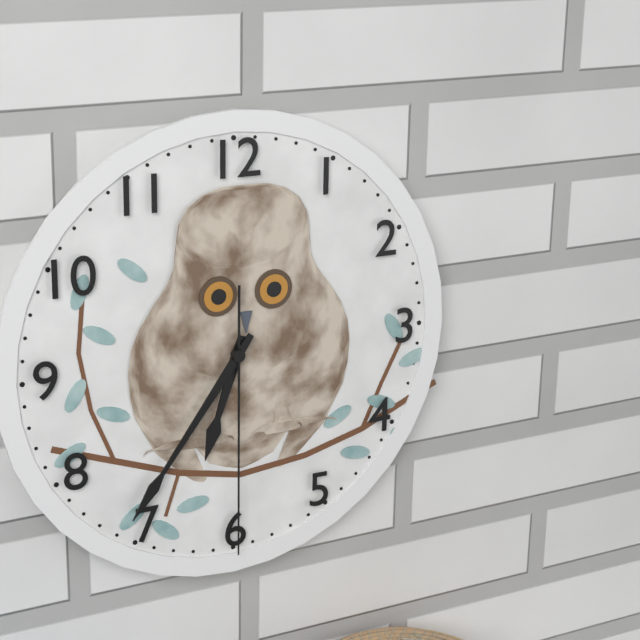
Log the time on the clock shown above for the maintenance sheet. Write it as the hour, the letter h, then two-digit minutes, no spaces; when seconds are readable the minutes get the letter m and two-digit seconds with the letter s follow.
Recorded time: 6h36m30s
